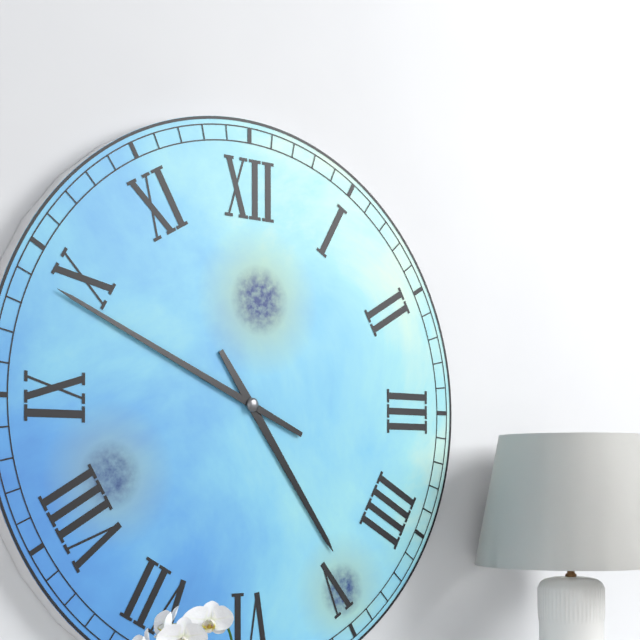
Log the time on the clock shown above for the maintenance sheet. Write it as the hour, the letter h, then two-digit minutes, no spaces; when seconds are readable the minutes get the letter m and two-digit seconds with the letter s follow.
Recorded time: 4h49
